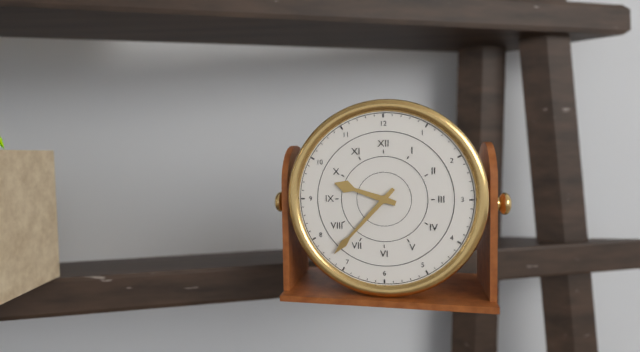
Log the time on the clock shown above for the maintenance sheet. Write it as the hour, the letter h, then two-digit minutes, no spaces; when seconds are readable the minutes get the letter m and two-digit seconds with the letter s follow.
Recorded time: 9h37
